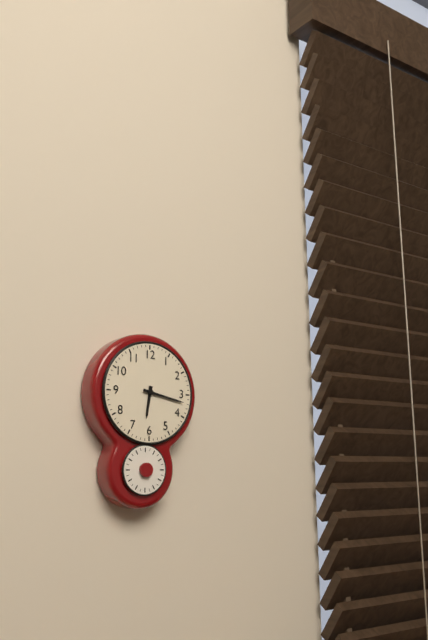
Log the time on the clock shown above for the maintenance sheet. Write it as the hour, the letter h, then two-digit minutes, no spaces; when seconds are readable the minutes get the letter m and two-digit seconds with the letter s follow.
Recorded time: 6h17
